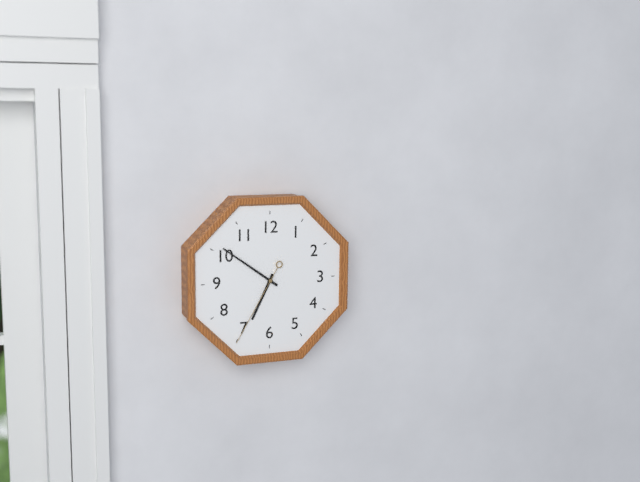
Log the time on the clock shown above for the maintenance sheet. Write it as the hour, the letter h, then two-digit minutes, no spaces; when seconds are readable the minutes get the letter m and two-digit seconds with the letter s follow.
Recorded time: 6h51m35s
